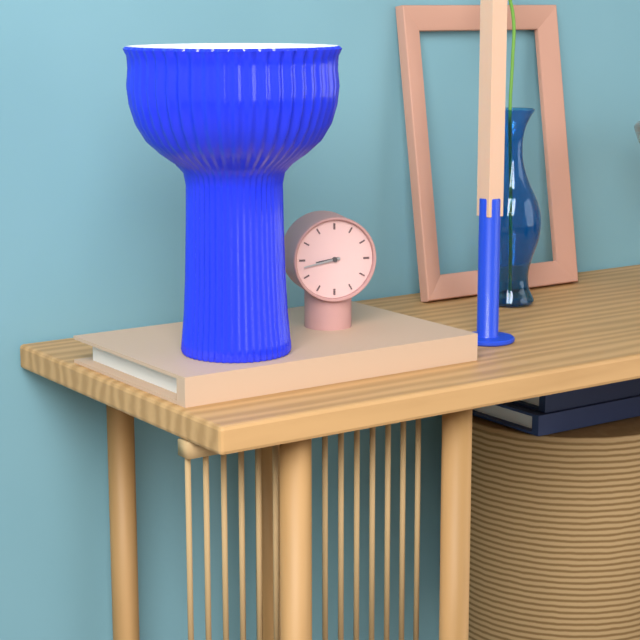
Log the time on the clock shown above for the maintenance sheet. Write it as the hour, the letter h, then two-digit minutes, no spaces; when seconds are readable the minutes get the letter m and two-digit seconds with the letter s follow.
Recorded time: 8h43
